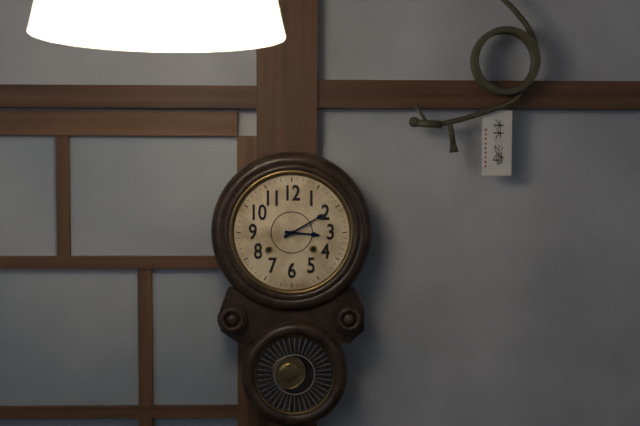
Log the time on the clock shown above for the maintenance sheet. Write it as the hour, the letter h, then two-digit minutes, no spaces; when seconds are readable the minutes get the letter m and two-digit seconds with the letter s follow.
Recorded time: 3h10
